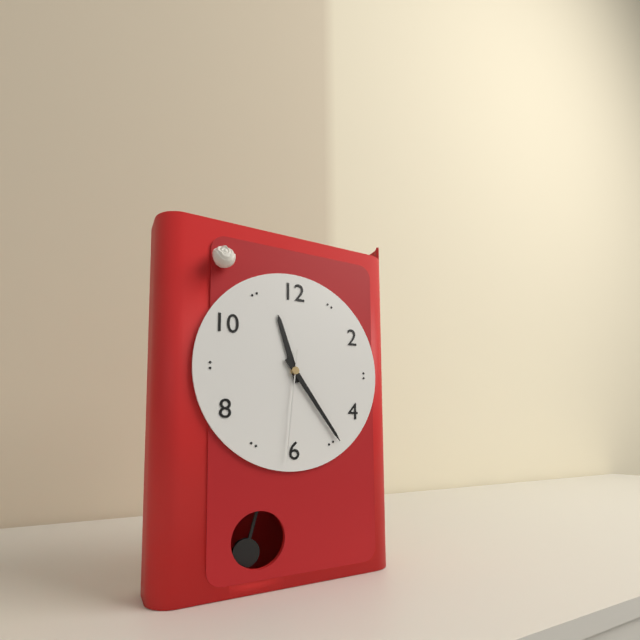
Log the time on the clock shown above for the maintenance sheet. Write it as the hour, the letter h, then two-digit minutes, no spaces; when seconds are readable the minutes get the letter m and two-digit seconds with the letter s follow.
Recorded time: 11h24m31s
